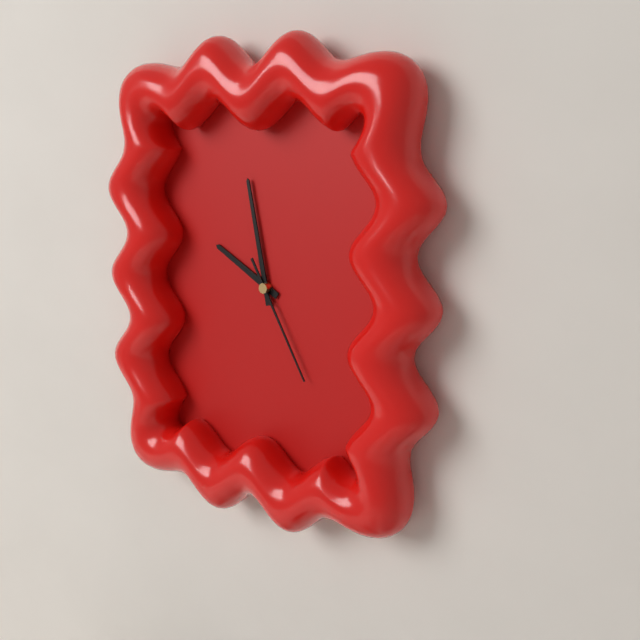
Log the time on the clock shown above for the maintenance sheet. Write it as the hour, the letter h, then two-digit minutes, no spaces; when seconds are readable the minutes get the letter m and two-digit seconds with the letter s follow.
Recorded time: 9h58m25s
